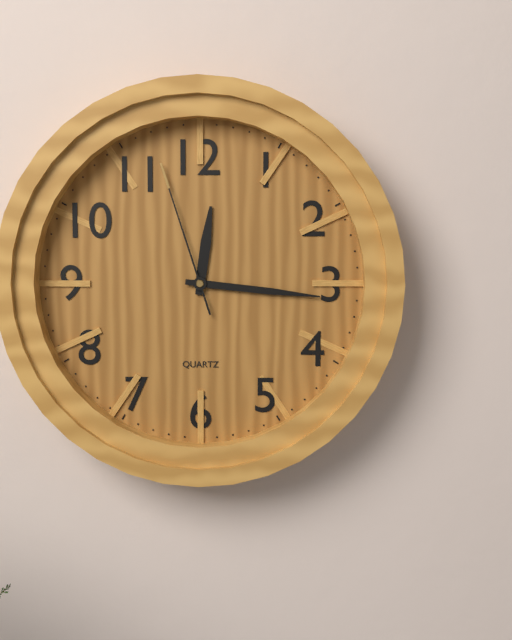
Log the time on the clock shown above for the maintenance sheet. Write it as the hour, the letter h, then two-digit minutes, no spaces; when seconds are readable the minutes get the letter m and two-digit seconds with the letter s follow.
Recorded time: 12h16m57s
